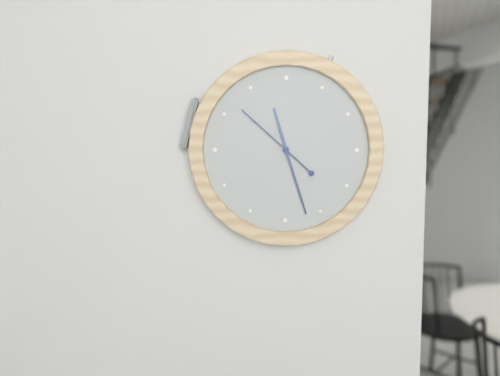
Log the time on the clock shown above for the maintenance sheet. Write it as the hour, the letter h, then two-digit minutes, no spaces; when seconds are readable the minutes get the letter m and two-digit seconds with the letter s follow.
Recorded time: 11h27m52s
